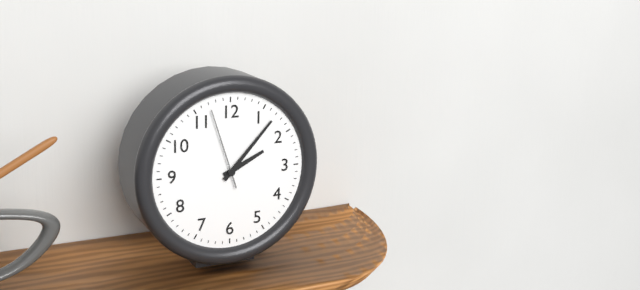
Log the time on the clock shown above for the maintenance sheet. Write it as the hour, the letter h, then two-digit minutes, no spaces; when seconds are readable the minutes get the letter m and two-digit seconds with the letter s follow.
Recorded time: 2h07m57s
